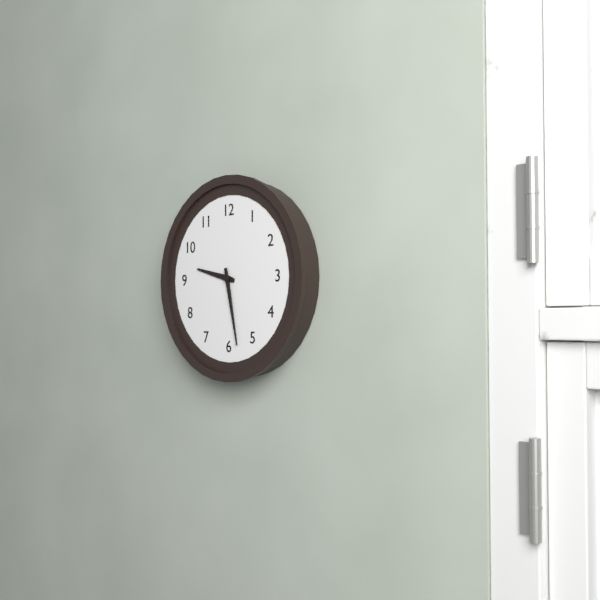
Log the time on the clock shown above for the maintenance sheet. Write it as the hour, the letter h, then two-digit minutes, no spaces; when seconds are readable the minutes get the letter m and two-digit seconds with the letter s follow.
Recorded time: 9h28
